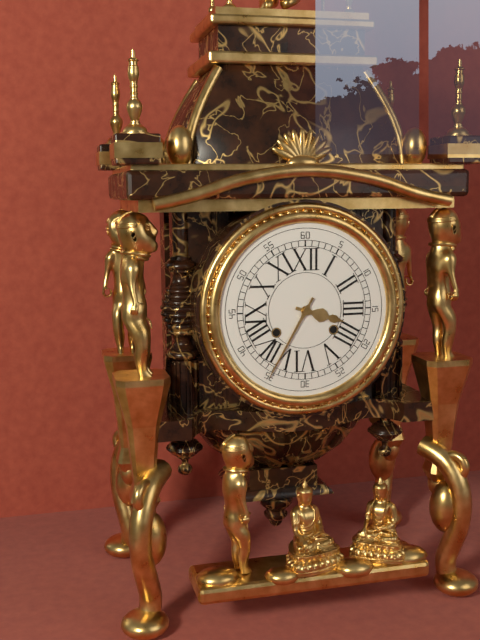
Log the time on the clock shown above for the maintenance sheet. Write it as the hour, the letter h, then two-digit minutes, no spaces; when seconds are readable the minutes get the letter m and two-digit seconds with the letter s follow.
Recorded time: 3h35
